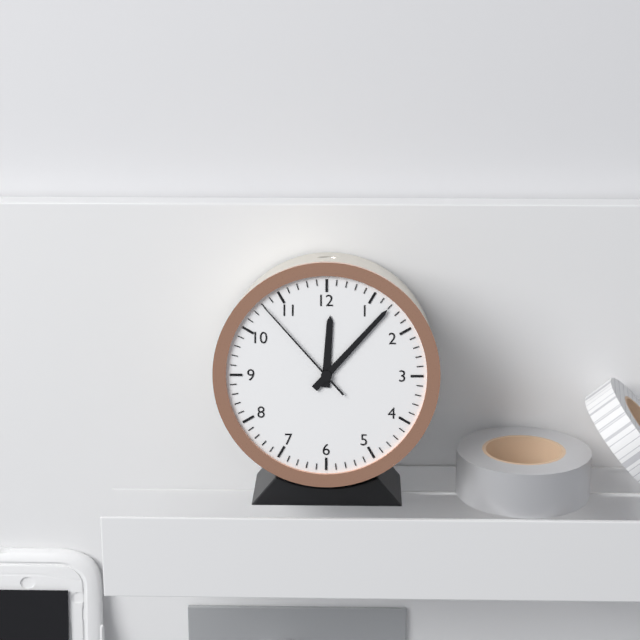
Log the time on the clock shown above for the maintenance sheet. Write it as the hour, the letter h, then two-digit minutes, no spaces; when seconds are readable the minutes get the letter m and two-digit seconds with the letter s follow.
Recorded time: 12h07m53s
